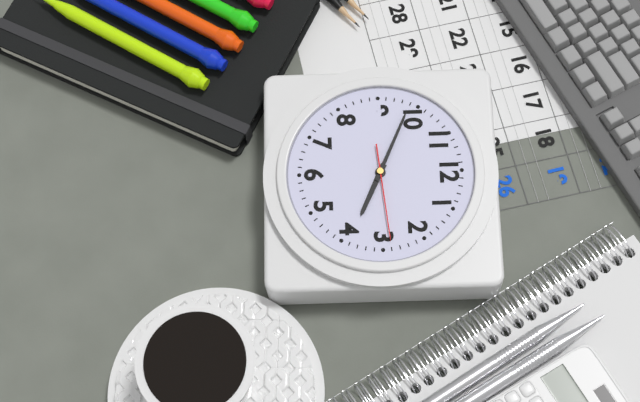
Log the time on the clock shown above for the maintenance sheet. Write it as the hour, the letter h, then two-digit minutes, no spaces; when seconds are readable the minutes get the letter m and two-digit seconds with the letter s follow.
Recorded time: 3h49m14s
